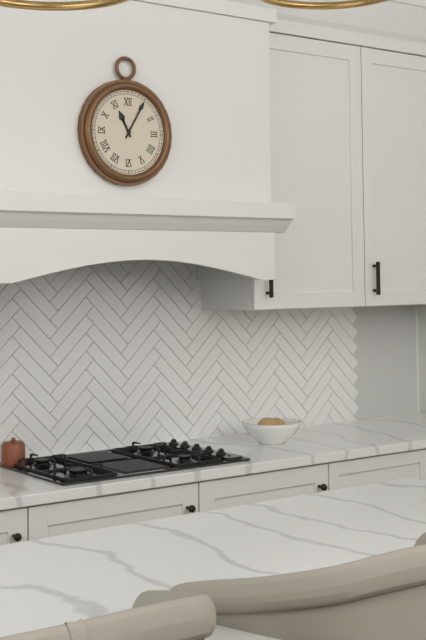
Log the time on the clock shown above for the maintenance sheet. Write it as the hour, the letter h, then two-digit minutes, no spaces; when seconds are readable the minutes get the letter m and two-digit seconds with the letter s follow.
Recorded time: 11h05
